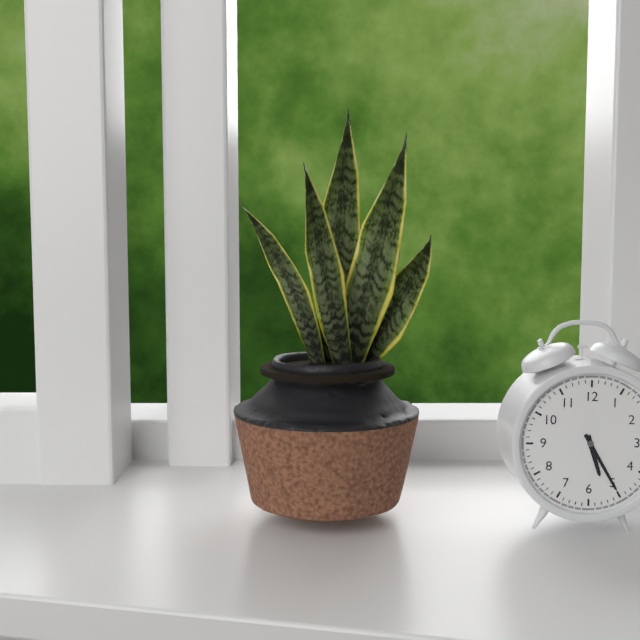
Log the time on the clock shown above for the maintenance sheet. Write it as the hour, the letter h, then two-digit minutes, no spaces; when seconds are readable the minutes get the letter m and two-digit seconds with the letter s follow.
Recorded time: 5h25
